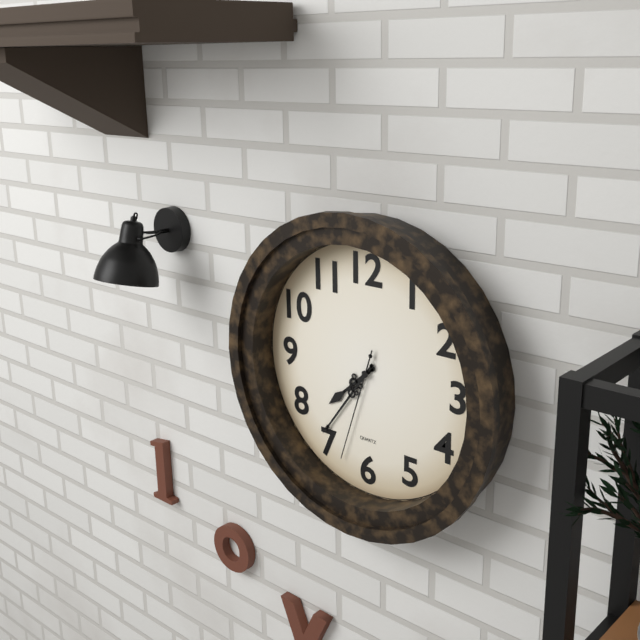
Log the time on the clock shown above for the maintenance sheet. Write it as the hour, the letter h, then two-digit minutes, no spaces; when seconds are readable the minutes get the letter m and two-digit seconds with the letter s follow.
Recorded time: 7h36m33s
